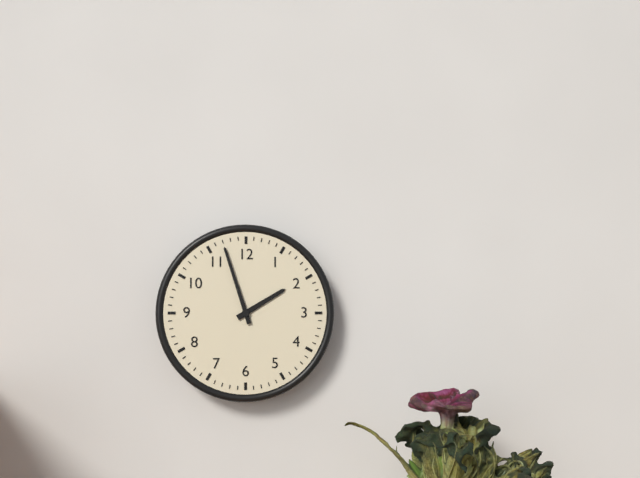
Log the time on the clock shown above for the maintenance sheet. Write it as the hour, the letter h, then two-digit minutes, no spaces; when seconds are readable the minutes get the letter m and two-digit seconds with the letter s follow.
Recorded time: 1h57
